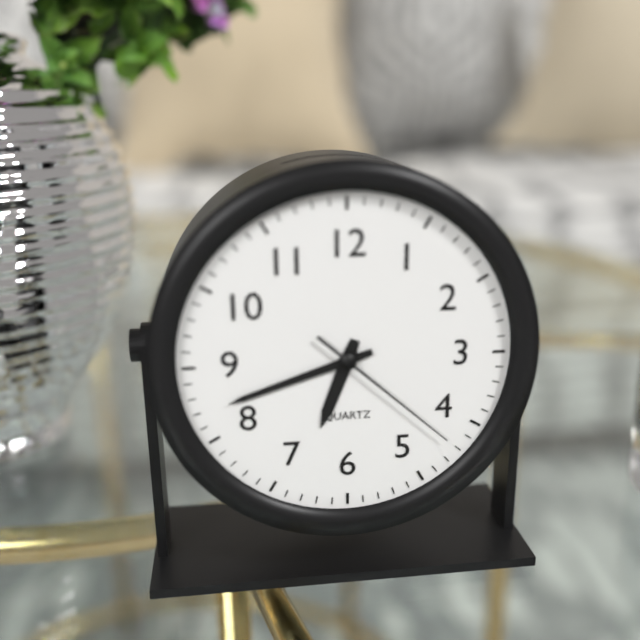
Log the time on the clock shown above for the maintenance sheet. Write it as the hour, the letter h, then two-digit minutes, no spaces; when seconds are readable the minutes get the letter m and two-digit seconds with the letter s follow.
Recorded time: 6h42m22s
